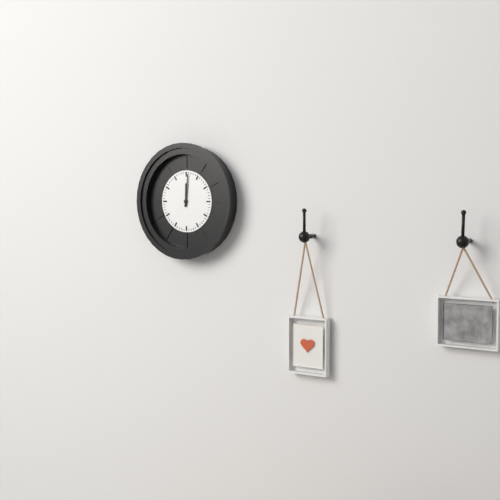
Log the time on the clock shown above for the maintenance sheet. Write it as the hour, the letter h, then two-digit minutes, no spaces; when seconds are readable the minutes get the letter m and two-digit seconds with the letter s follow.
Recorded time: 12h01
